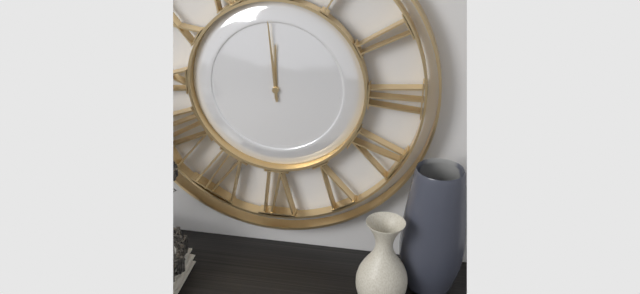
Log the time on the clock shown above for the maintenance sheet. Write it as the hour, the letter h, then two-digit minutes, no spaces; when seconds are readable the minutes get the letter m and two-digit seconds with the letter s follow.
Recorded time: 11h59
